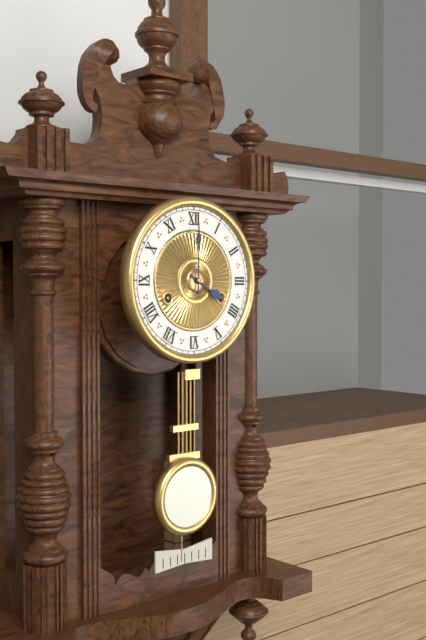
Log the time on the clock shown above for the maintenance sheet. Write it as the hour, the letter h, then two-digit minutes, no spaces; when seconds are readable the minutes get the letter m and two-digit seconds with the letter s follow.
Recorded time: 4h00
